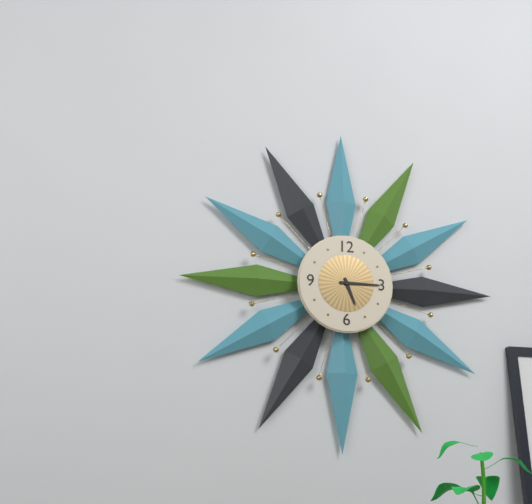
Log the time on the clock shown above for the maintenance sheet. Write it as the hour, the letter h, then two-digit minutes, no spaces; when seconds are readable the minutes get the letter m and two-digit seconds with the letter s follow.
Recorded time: 5h15
